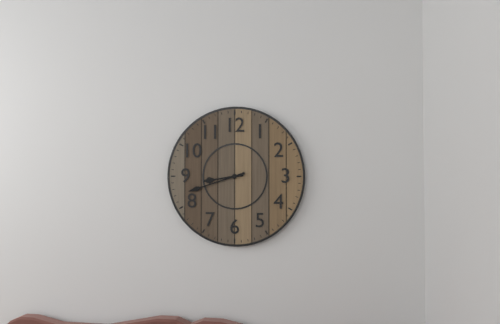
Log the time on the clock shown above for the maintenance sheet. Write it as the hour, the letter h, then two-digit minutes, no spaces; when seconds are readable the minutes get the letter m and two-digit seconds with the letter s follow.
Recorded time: 8h42
